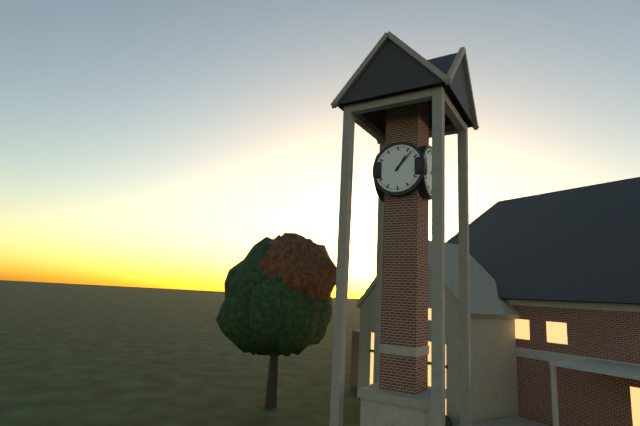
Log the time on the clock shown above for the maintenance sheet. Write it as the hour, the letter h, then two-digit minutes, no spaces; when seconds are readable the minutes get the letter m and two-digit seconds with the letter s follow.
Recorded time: 1h07
